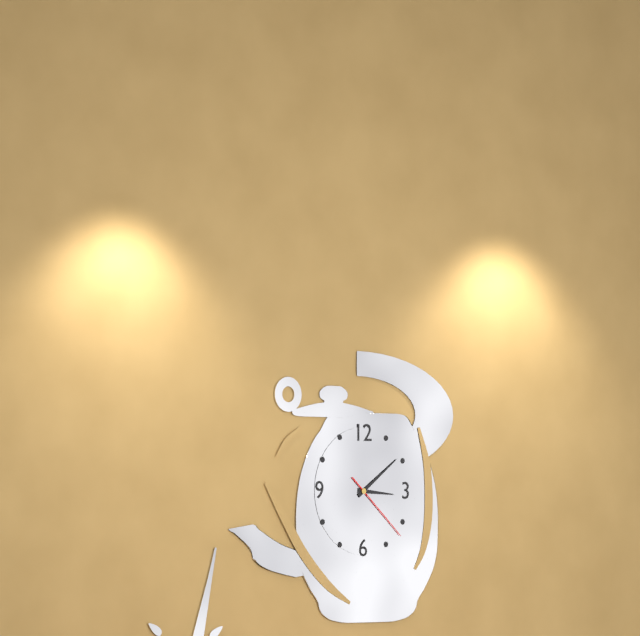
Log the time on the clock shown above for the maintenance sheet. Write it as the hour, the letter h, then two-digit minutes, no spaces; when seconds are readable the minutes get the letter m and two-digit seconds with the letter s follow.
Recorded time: 3h09m22s
